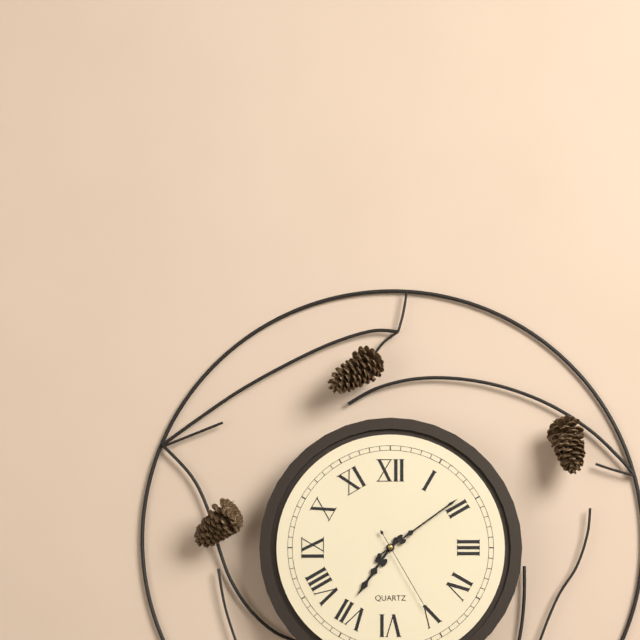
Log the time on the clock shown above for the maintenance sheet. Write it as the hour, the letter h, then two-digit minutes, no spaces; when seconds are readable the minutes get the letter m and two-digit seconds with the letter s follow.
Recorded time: 7h09m25s
